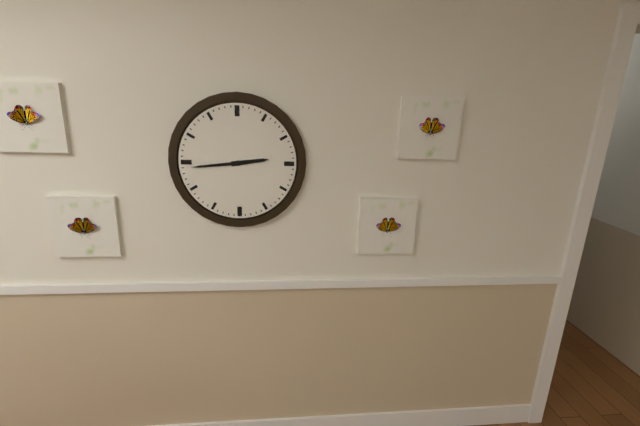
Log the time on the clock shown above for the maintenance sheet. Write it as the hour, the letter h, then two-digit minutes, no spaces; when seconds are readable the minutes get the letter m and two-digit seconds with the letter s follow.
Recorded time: 2h44
